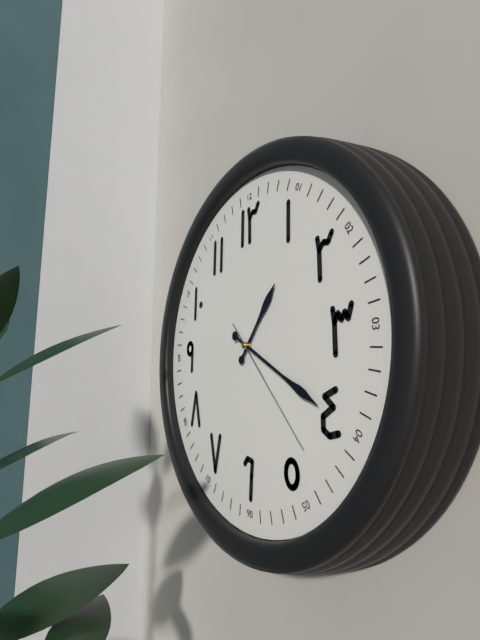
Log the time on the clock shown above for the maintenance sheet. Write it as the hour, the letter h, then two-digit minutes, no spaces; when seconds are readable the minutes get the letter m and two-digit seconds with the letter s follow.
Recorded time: 1h20m23s
